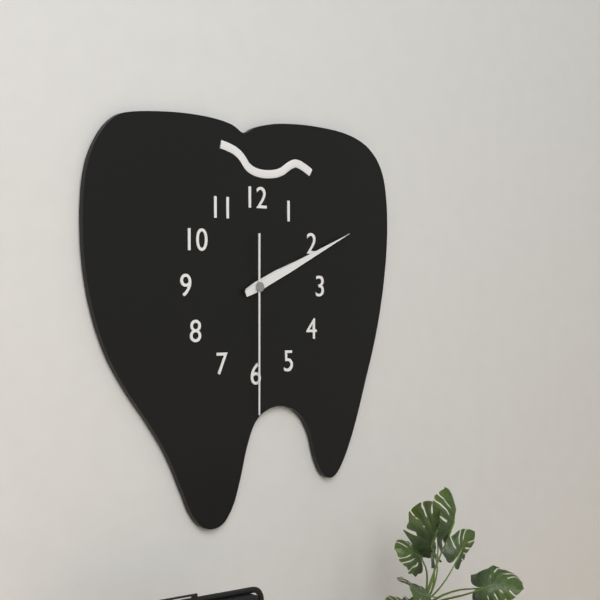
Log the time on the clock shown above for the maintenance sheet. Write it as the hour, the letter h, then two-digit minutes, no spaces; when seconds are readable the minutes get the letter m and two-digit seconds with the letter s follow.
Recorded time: 2h11m30s
